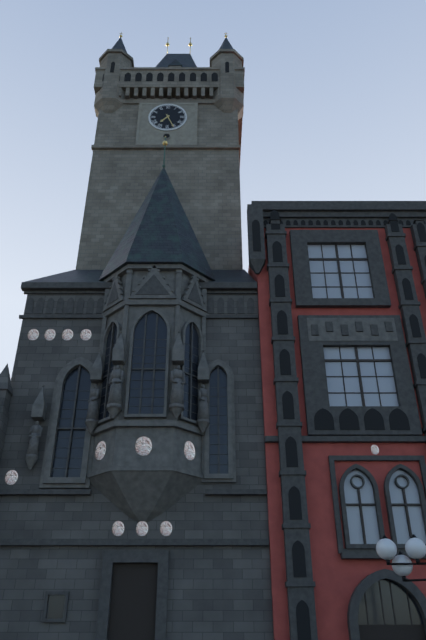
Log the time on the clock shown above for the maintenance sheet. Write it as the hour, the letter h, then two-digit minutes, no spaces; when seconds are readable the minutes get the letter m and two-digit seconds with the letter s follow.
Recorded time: 7h26
